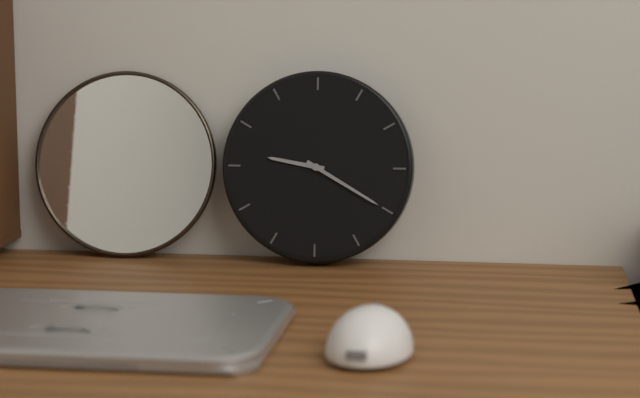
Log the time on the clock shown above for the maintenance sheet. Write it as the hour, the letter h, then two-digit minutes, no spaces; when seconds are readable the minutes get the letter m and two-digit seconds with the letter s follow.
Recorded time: 9h20
